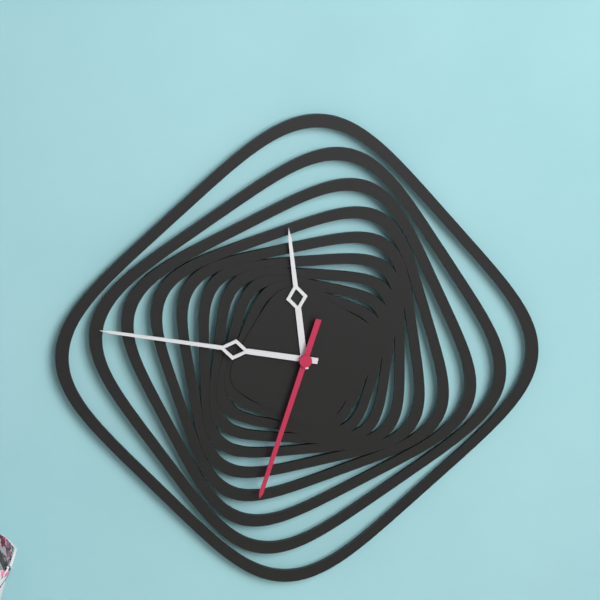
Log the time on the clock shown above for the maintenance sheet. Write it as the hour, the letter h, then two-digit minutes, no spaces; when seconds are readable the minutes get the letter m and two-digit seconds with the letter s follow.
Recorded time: 11h47m33s
